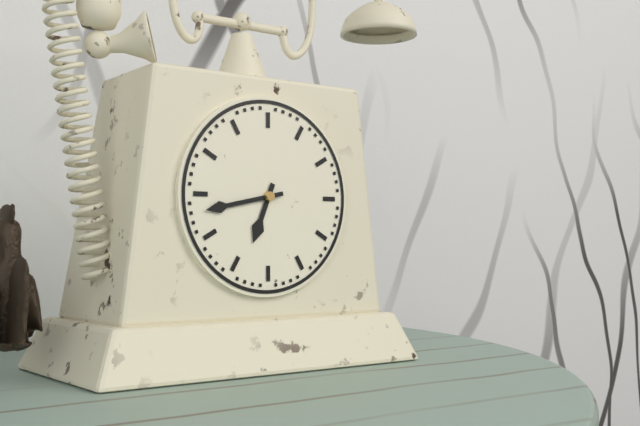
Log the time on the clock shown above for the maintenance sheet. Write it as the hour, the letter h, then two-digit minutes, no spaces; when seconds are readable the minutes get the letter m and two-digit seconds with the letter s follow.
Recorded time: 6h43
